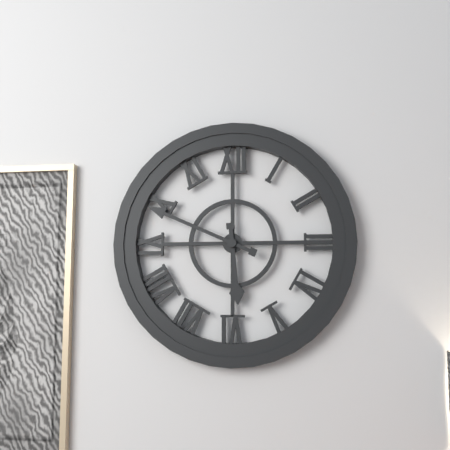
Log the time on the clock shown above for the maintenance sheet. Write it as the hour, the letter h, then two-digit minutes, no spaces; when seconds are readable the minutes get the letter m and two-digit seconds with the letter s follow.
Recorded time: 5h49
